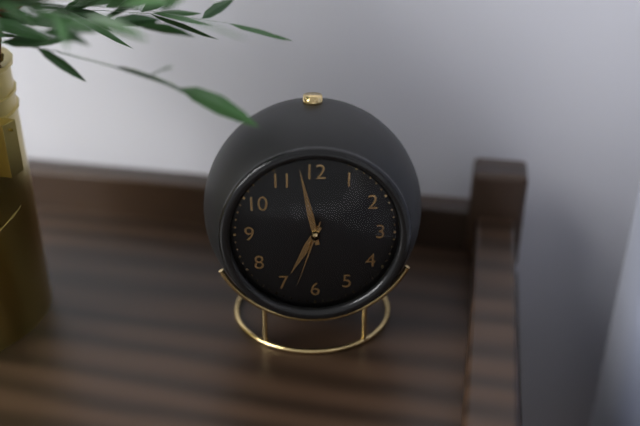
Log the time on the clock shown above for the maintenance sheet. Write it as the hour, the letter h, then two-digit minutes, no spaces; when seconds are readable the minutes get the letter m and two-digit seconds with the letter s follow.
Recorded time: 6h58m33s
